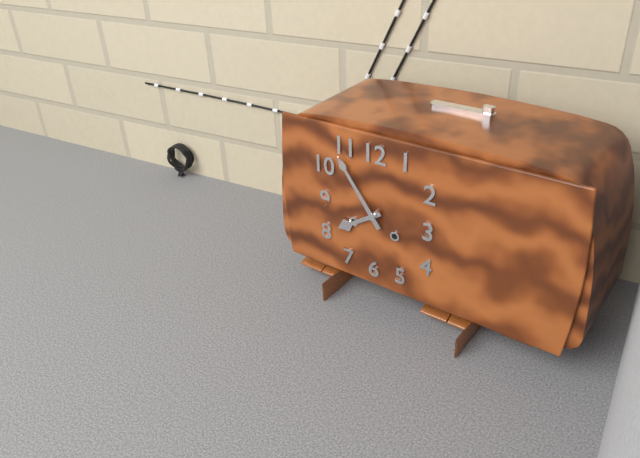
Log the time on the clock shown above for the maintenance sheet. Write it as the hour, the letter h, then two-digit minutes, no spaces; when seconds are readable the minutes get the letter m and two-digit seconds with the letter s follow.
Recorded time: 7h54
